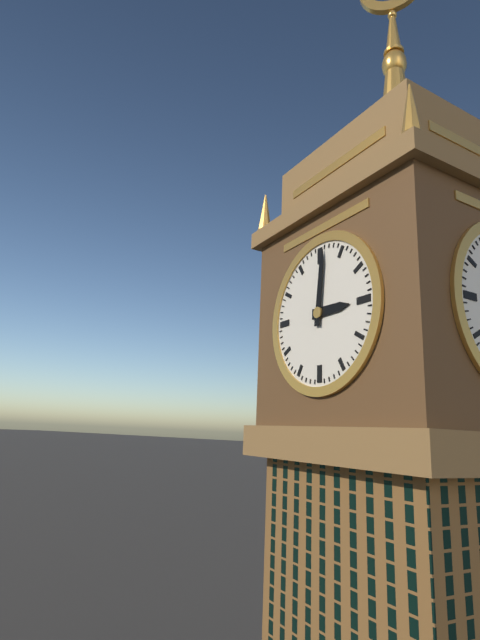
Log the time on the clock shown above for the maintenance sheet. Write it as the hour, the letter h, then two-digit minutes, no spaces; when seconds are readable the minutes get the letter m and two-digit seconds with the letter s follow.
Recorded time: 3h01
